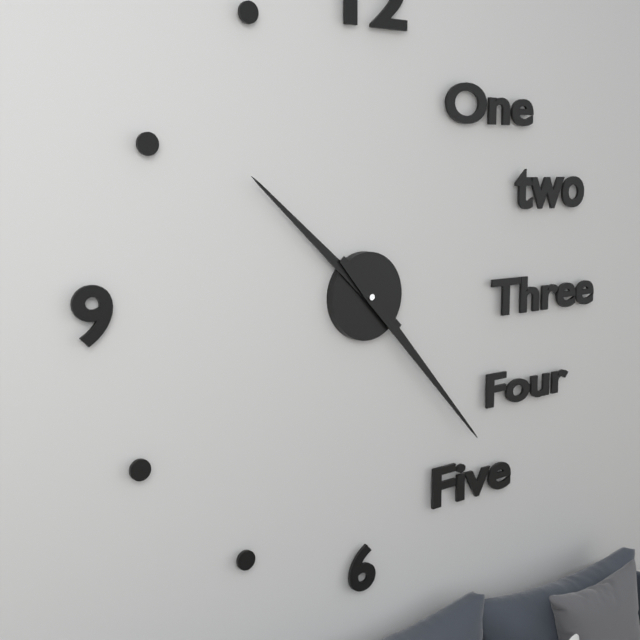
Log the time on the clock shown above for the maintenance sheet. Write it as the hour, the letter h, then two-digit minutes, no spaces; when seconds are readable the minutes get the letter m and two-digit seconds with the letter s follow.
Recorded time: 10h23
